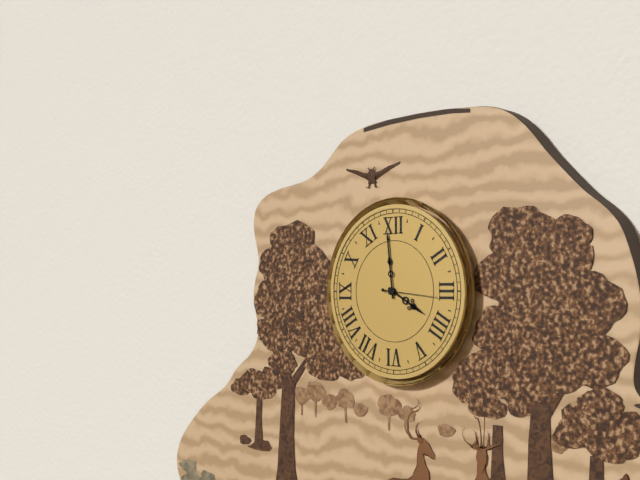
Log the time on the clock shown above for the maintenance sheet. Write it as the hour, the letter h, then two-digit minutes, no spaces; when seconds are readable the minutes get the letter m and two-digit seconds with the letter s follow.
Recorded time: 3h59m16s
